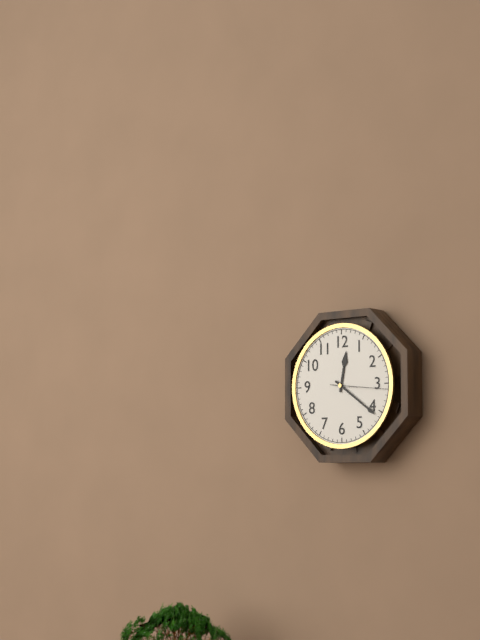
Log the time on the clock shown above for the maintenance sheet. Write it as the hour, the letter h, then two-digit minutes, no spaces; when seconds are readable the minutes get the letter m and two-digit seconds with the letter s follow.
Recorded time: 12h21m16s
